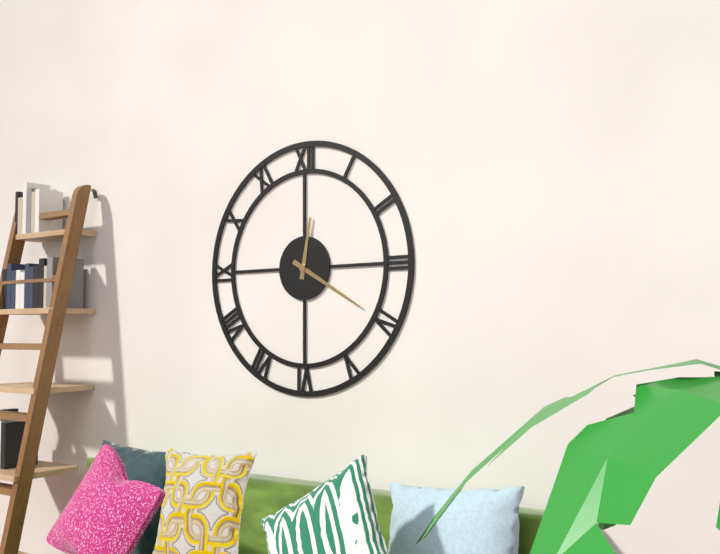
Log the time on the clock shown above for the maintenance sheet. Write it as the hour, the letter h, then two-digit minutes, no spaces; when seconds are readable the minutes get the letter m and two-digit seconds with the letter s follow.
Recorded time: 12h20
